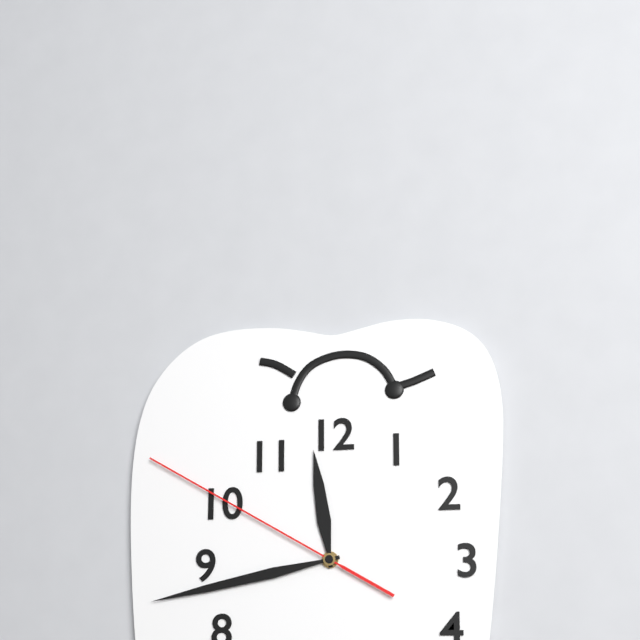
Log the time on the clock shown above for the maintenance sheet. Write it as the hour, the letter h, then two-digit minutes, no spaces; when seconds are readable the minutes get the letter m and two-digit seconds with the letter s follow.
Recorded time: 11h43m50s
